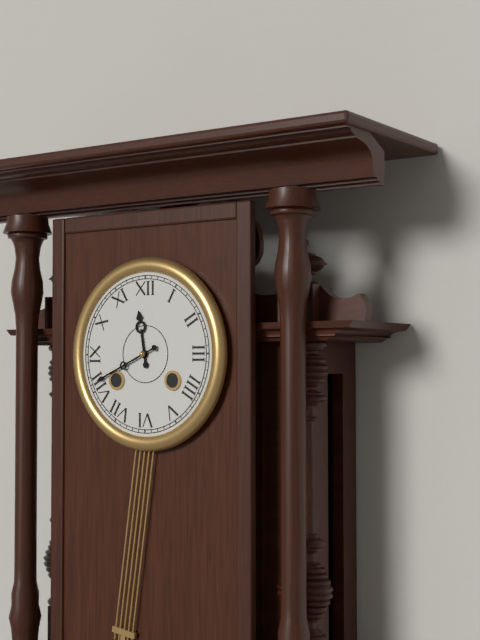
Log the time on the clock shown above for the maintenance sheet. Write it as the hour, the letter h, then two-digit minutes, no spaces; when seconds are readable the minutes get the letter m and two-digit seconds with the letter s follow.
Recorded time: 11h41
